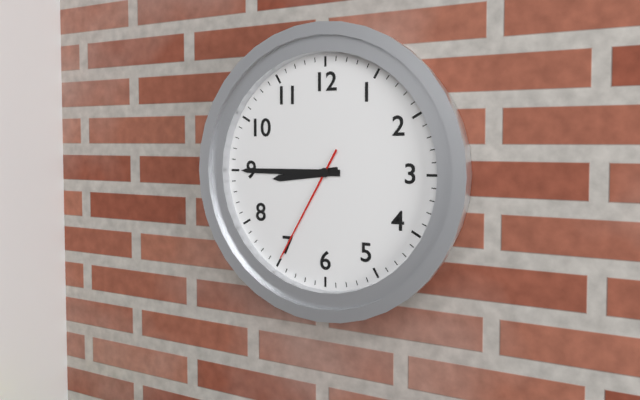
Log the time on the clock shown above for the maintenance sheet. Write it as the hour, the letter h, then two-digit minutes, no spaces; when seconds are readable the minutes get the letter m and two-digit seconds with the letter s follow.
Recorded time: 8h45m35s
